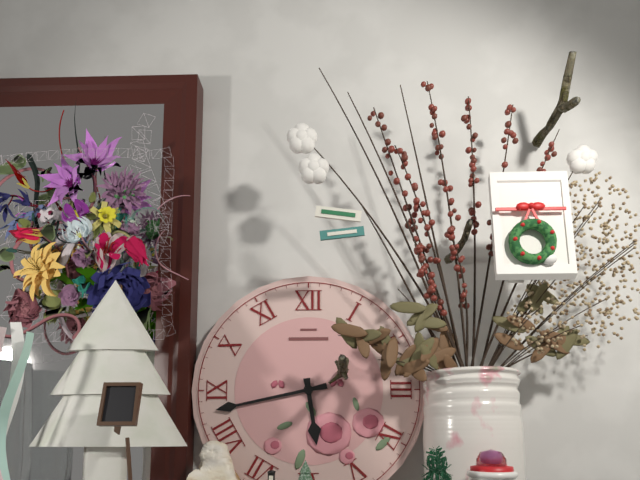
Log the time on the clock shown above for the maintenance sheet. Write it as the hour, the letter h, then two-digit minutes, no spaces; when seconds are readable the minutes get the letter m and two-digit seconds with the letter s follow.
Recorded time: 5h43
